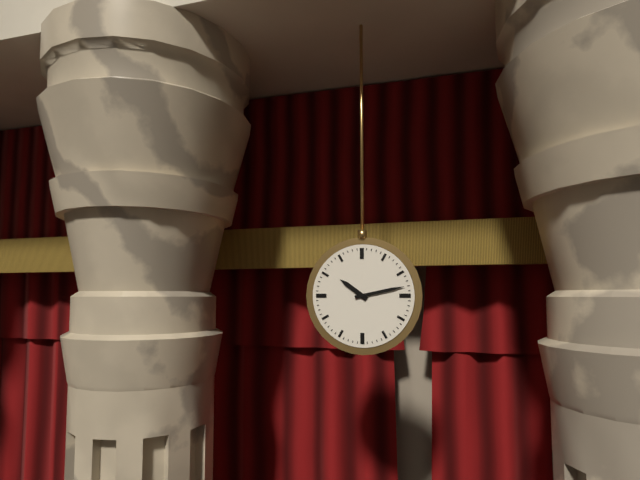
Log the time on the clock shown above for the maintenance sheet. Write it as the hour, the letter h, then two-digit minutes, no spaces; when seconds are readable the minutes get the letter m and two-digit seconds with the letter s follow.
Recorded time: 10h13
